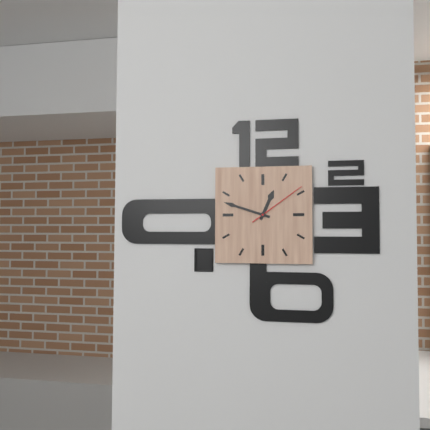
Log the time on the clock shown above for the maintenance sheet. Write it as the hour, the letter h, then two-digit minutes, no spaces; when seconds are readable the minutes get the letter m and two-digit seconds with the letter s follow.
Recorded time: 12h48m09s
